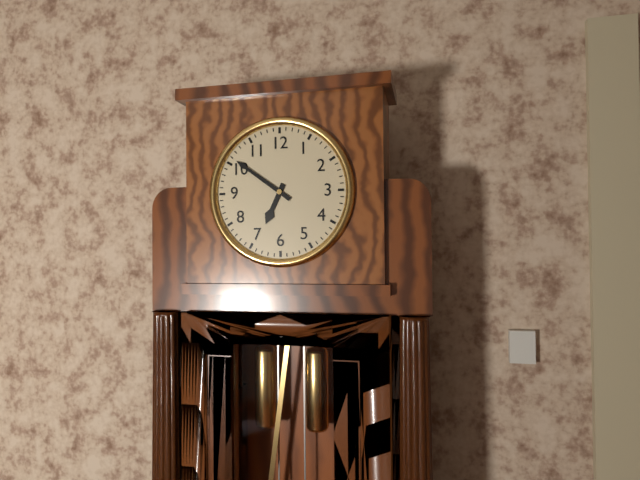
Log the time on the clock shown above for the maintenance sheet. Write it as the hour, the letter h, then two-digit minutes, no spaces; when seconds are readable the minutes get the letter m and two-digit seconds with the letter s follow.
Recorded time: 6h51
